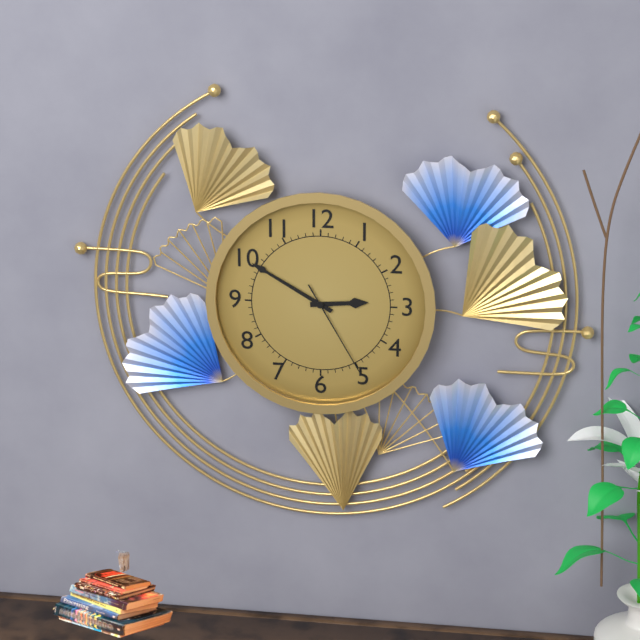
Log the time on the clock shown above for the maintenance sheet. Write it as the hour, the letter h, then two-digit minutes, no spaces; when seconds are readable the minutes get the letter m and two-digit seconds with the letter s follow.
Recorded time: 2h50m25s
